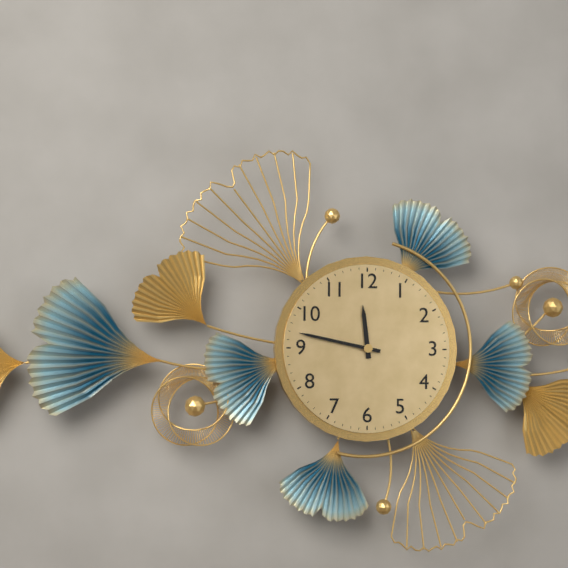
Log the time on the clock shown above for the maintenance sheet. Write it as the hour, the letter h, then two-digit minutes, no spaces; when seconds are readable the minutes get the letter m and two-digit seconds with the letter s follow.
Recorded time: 11h47
